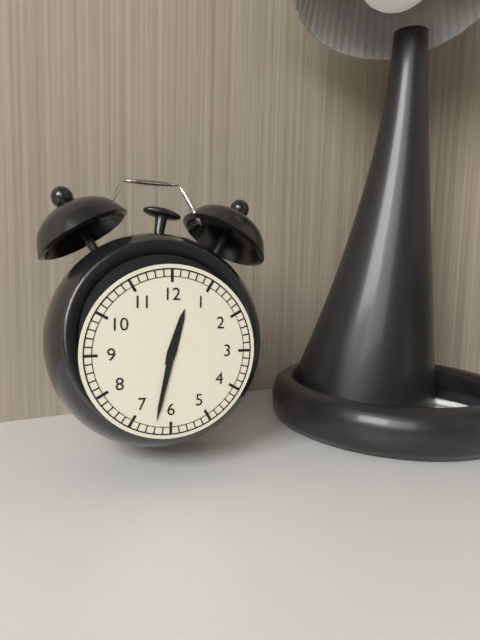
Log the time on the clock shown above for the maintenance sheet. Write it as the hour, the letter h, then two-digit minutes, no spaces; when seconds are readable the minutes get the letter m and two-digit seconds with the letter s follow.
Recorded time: 12h32
